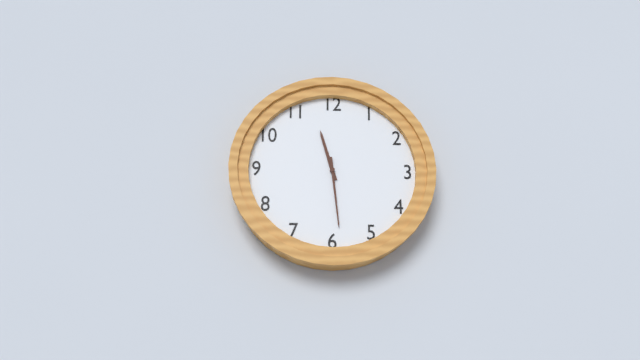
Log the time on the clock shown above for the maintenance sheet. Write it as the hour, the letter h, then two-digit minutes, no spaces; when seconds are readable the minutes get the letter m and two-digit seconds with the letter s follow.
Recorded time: 11h29
